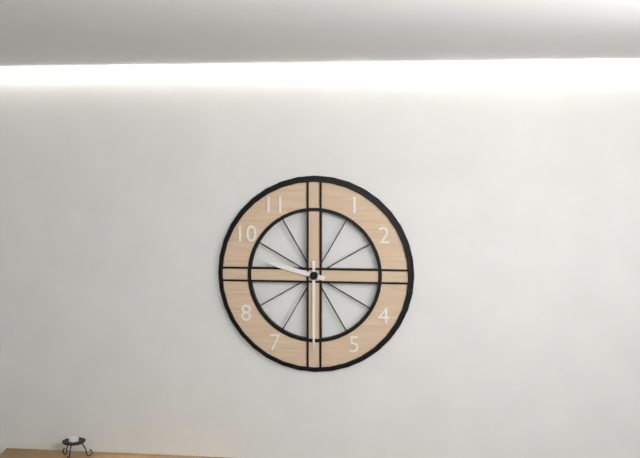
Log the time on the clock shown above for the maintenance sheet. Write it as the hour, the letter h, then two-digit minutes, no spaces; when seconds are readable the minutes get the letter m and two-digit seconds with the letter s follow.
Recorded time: 9h30
